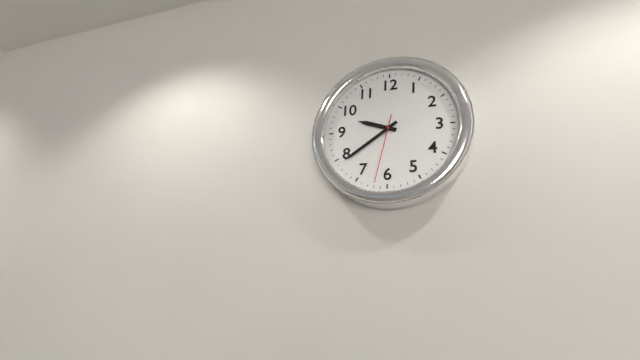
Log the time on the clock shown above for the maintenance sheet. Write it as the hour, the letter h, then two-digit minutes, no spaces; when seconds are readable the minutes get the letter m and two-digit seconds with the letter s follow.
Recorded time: 9h39m32s
